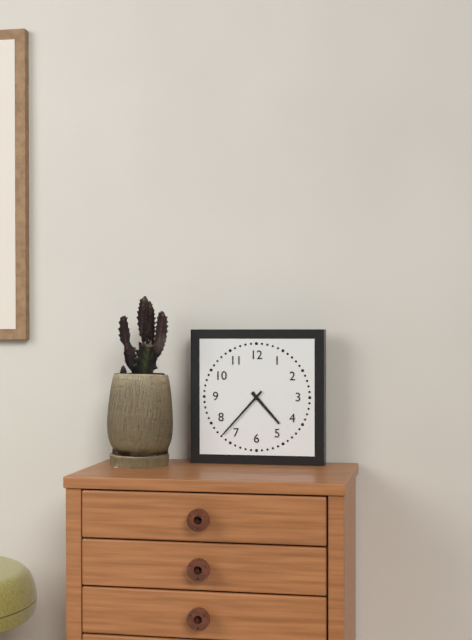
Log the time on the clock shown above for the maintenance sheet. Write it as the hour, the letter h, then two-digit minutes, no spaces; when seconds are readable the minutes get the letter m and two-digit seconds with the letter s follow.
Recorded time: 4h37
